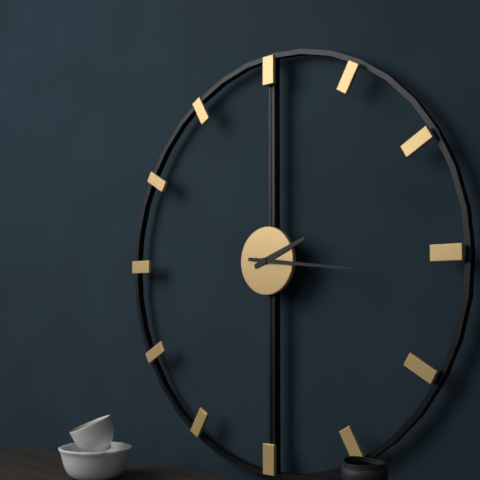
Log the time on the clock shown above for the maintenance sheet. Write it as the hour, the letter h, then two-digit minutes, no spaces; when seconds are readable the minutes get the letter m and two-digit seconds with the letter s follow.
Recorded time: 2h16
